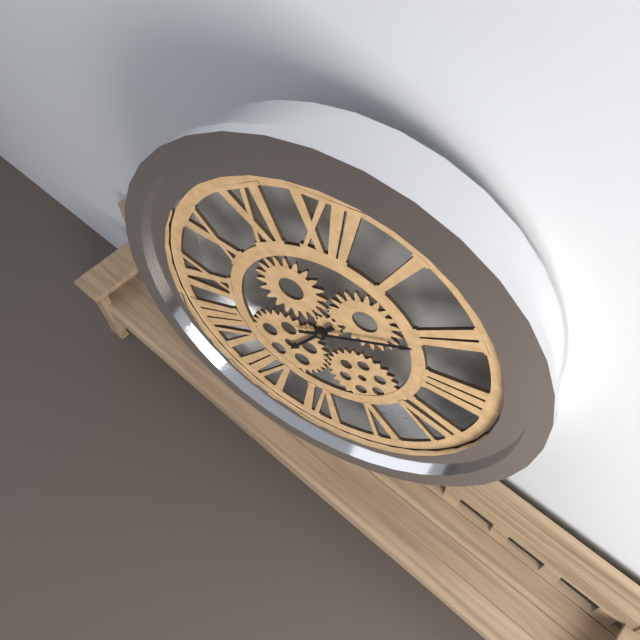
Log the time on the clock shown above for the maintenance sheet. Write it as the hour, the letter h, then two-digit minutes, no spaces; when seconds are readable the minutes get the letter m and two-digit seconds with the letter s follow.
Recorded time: 7h11
